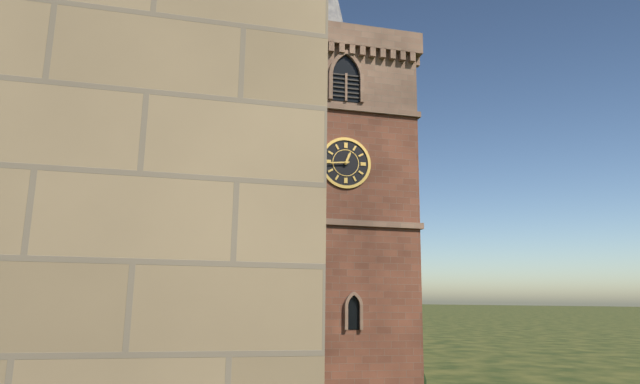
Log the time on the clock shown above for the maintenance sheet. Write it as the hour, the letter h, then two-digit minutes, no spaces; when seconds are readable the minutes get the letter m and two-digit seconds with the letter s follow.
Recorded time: 12h44
